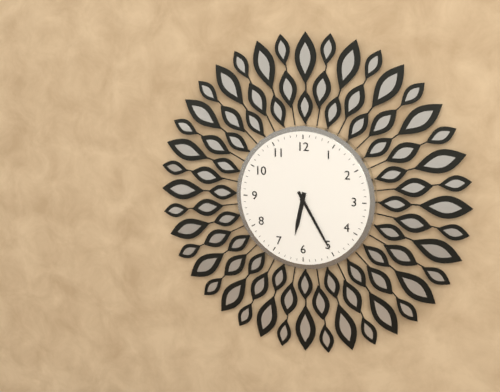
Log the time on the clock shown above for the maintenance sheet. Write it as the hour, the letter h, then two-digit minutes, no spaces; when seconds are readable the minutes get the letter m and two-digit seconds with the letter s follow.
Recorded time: 6h25
